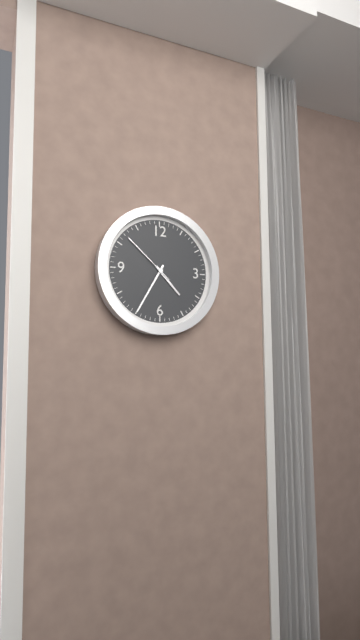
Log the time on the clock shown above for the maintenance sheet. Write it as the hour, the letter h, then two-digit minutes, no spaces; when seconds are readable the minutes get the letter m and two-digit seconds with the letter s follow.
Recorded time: 4h35m52s
